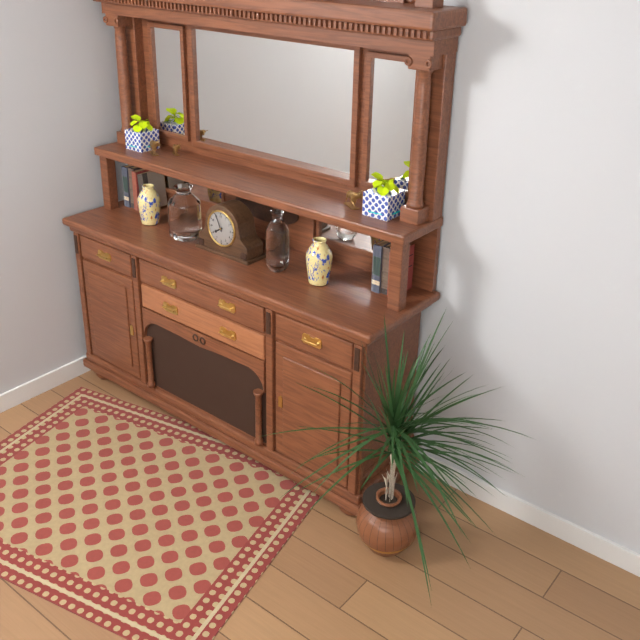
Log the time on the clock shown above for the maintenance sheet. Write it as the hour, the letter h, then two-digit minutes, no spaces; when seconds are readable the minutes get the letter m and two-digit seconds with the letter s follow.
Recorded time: 7h56
